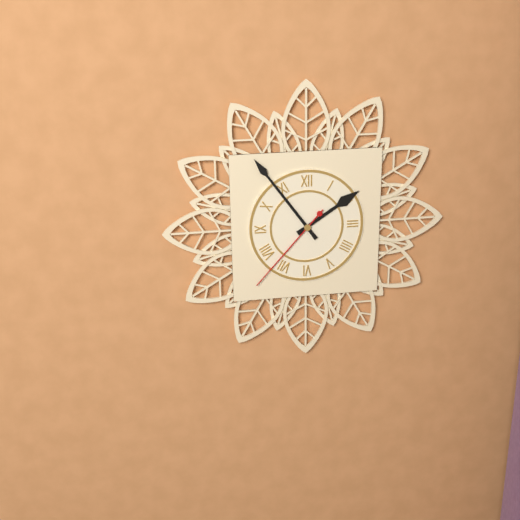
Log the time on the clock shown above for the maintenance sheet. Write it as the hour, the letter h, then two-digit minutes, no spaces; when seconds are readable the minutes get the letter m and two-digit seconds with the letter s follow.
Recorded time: 1h54m37s
